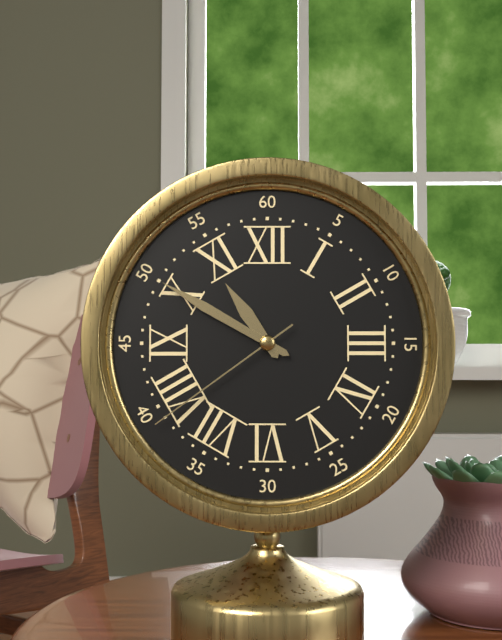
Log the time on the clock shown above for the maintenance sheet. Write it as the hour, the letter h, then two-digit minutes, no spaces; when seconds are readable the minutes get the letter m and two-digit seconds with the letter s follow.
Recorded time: 10h50m39s
